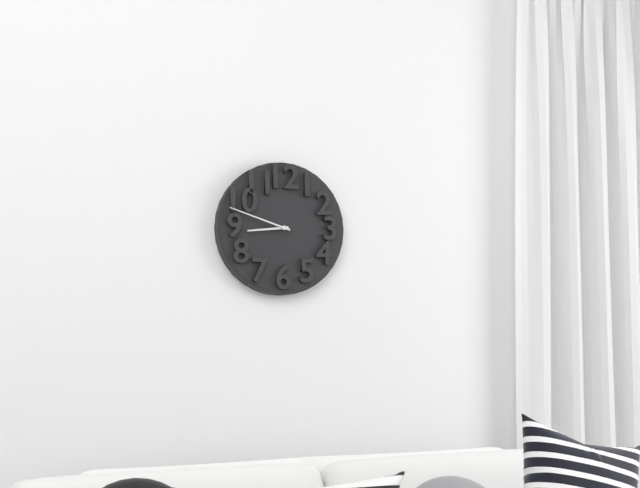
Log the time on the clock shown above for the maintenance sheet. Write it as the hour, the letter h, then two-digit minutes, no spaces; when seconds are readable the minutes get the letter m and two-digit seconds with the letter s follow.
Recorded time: 8h48
